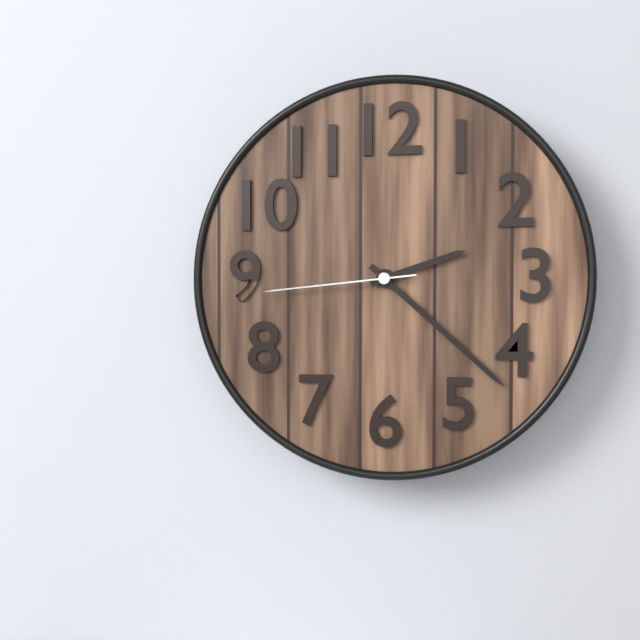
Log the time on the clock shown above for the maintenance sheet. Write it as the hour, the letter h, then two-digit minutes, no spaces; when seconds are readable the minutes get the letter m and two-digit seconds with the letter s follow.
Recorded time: 2h22m44s
